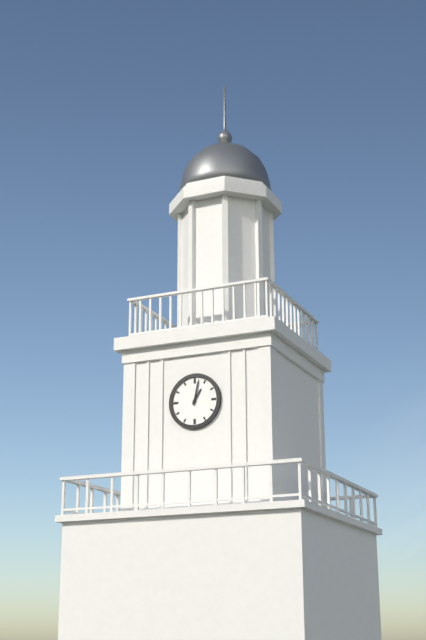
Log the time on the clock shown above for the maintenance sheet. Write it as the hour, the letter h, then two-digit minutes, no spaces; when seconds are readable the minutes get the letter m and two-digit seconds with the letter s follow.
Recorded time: 1h02
